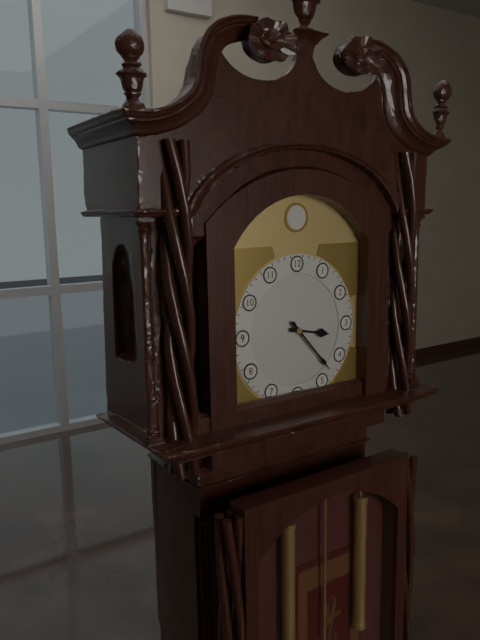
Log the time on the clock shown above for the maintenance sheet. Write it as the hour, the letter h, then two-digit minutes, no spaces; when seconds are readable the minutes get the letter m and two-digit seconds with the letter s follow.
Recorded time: 3h23
